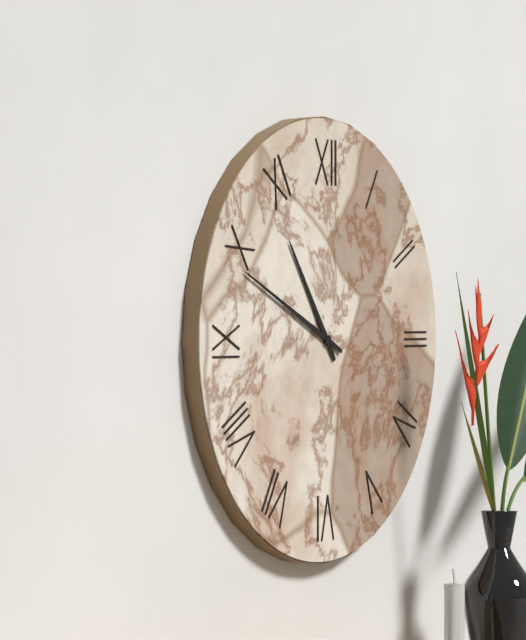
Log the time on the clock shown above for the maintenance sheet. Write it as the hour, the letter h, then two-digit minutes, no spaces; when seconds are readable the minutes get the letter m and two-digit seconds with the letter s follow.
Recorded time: 10h49
